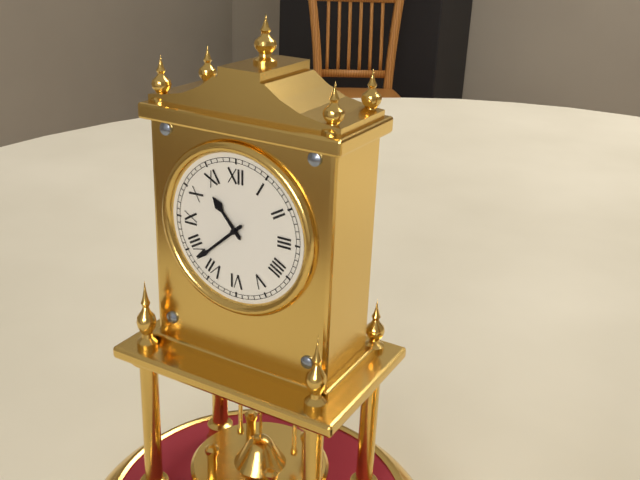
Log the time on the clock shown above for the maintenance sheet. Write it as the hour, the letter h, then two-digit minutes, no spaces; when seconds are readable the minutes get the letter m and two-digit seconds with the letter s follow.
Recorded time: 10h38
